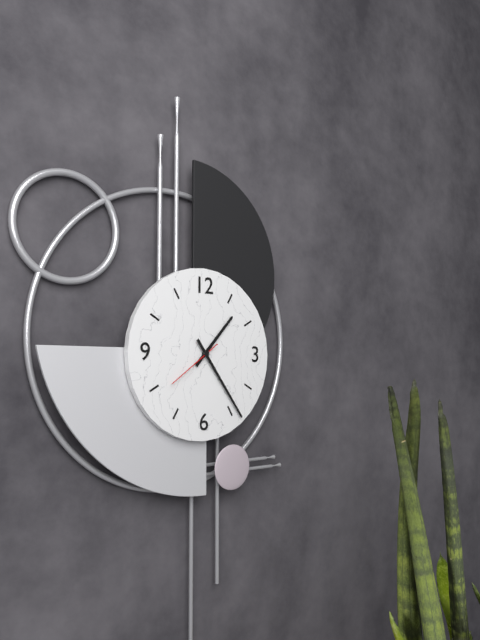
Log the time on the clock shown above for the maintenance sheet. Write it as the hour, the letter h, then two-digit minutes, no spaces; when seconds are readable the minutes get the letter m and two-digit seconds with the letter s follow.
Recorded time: 1h24m39s
